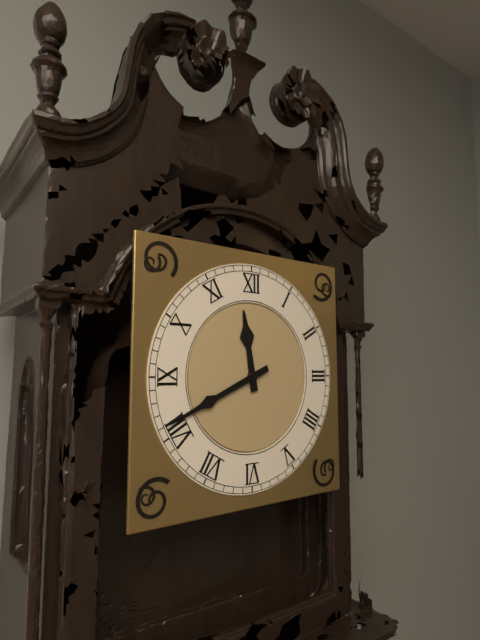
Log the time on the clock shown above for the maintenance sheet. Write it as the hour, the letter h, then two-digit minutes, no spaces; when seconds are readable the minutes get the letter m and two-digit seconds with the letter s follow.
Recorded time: 11h41
